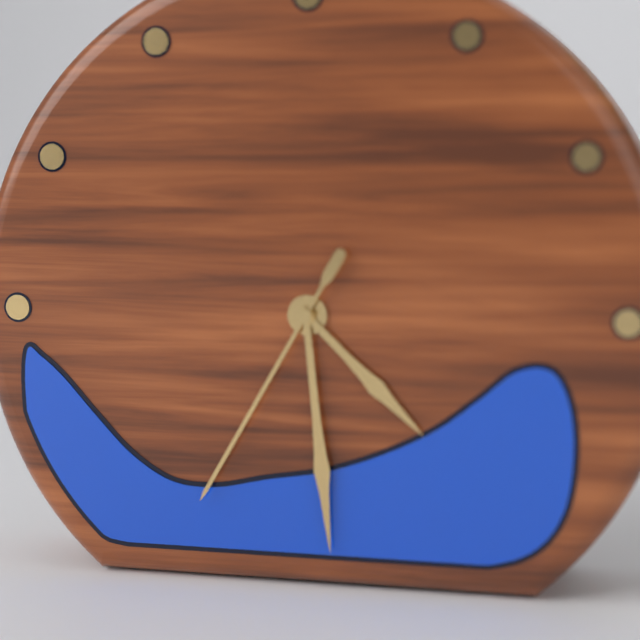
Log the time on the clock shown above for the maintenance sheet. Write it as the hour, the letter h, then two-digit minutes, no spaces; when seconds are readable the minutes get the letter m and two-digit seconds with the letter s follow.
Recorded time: 4h29m35s
